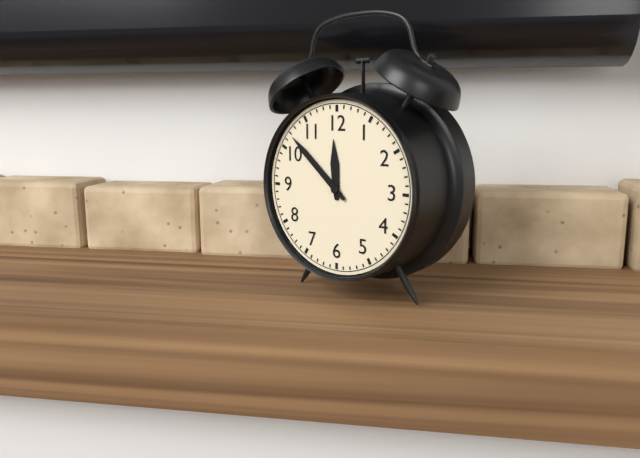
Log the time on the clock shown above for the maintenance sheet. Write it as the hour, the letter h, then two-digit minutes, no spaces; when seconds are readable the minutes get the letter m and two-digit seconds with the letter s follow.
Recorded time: 11h52
